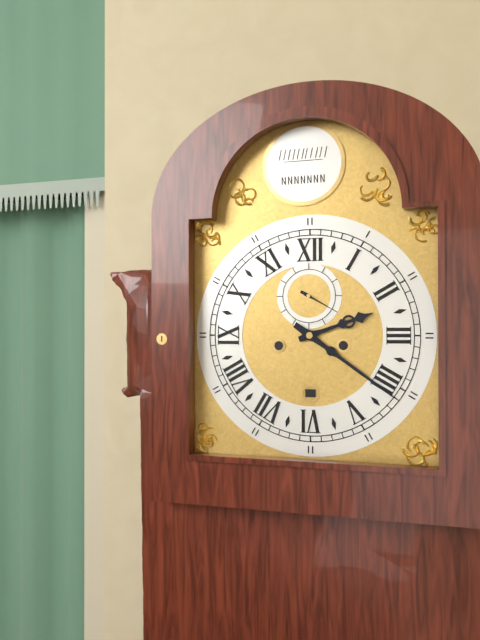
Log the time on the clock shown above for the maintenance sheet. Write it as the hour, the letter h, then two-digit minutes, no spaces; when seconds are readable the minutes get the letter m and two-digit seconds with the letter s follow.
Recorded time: 2h21
